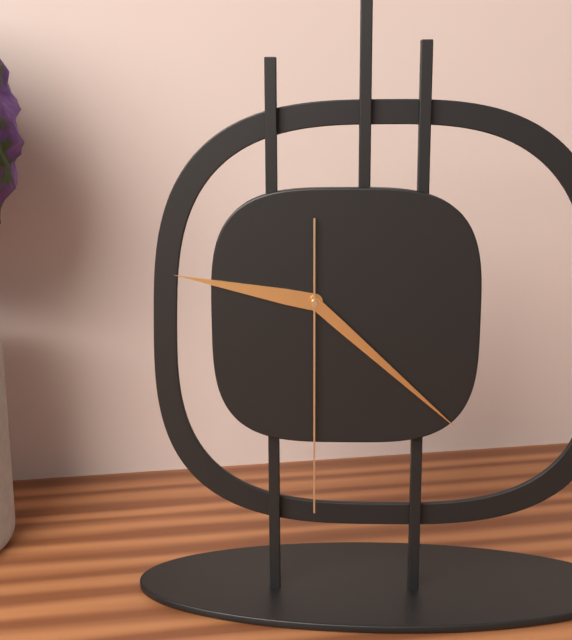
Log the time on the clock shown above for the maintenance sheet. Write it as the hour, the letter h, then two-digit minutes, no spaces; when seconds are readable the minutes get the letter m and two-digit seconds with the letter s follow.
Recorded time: 9h22m30s
